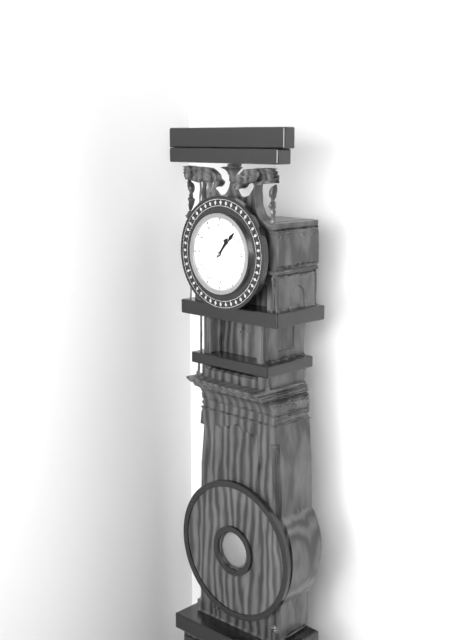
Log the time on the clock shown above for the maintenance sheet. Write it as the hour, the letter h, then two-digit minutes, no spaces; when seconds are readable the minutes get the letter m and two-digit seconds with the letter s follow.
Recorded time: 1h07
